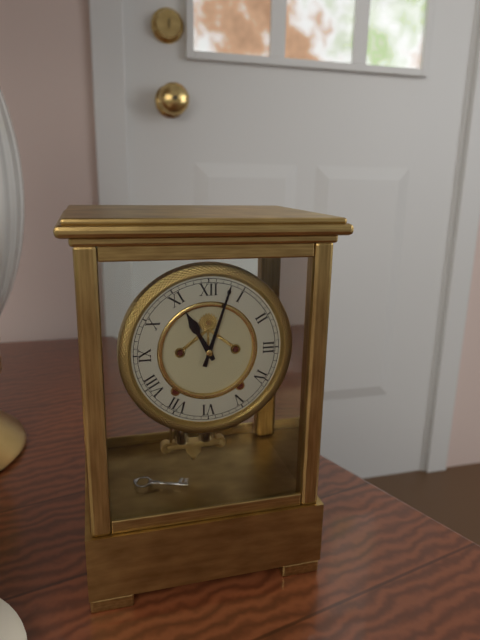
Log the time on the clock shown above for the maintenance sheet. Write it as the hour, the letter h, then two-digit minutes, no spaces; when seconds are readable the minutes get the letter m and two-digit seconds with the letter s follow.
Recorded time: 11h03
